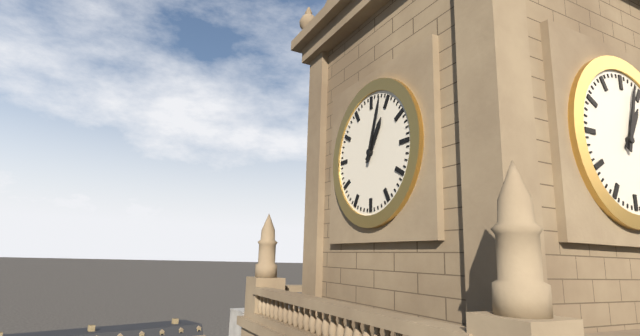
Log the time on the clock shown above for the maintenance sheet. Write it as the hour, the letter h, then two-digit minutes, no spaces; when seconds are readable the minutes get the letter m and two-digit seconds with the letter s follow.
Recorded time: 1h03
